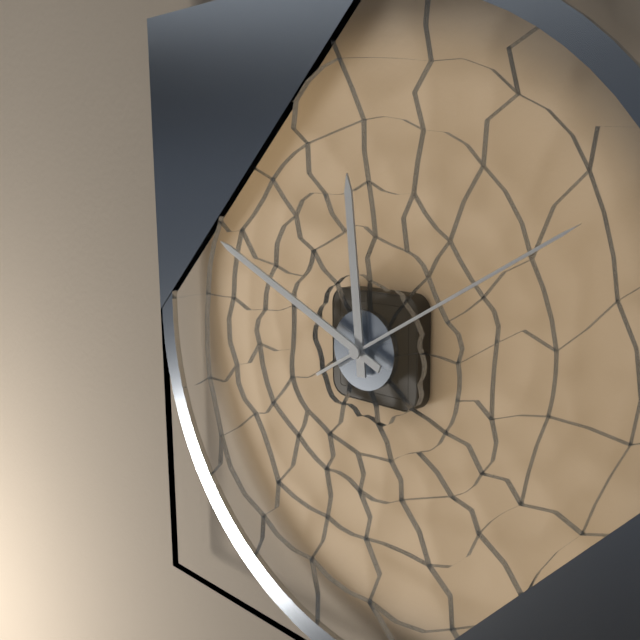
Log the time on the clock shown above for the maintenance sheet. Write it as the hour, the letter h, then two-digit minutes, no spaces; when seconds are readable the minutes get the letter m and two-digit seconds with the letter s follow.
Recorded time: 11h49m10s
